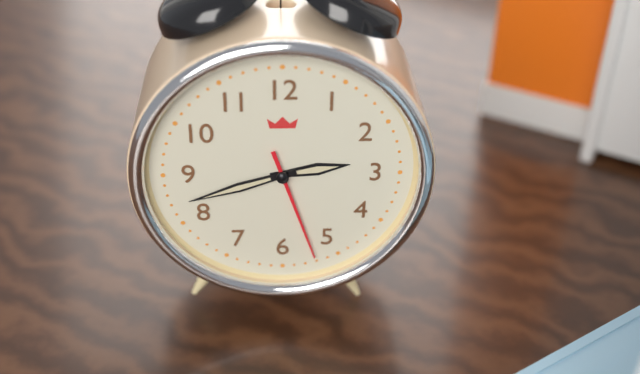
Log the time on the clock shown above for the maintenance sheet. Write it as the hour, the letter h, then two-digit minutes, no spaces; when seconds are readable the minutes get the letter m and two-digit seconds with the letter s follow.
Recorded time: 2h42m27s
